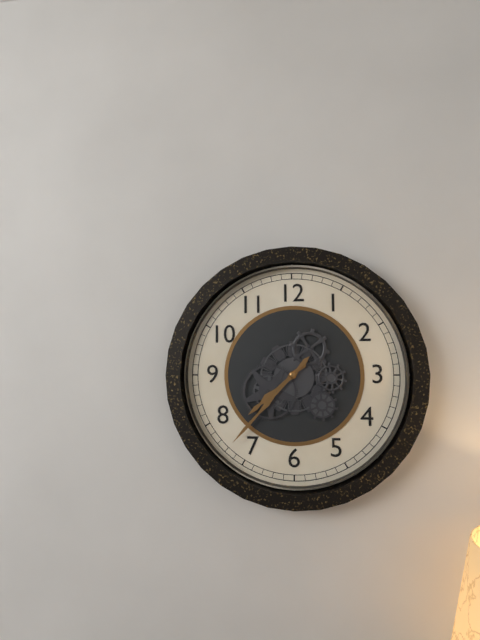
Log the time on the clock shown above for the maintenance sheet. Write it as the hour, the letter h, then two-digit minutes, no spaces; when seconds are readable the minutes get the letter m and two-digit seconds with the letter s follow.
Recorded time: 7h37
